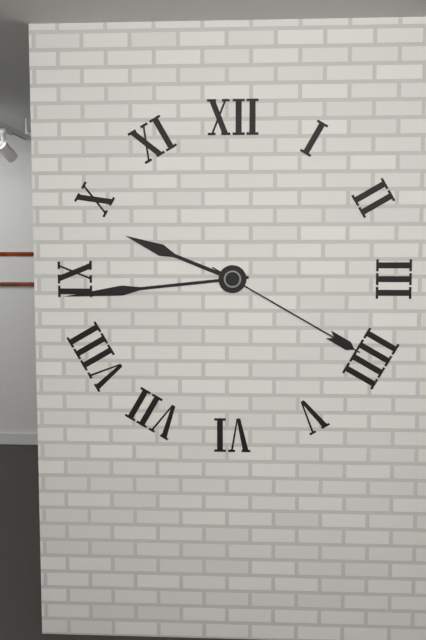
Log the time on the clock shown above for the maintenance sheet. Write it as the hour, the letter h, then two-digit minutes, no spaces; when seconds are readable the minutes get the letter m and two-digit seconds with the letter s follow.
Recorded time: 9h44m20s
